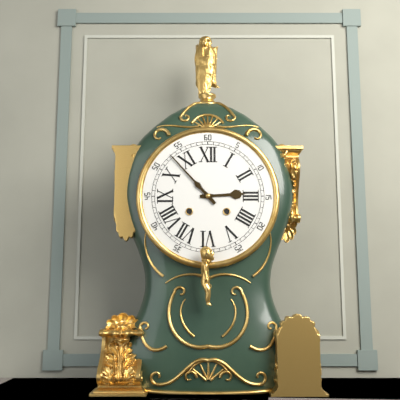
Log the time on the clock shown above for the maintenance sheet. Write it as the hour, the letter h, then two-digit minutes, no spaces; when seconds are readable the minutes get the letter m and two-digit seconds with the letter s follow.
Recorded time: 2h53
